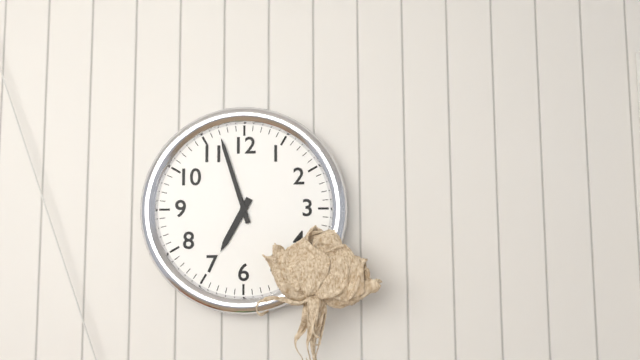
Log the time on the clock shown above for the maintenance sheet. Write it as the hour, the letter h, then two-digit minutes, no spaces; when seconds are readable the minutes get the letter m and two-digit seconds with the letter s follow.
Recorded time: 6h57
